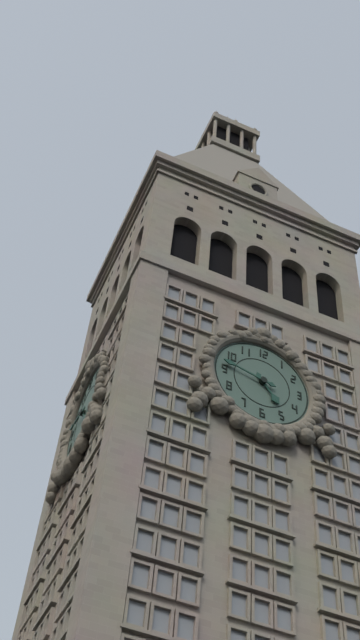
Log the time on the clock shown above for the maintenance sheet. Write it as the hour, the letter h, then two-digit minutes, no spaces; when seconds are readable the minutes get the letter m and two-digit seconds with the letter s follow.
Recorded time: 4h47
